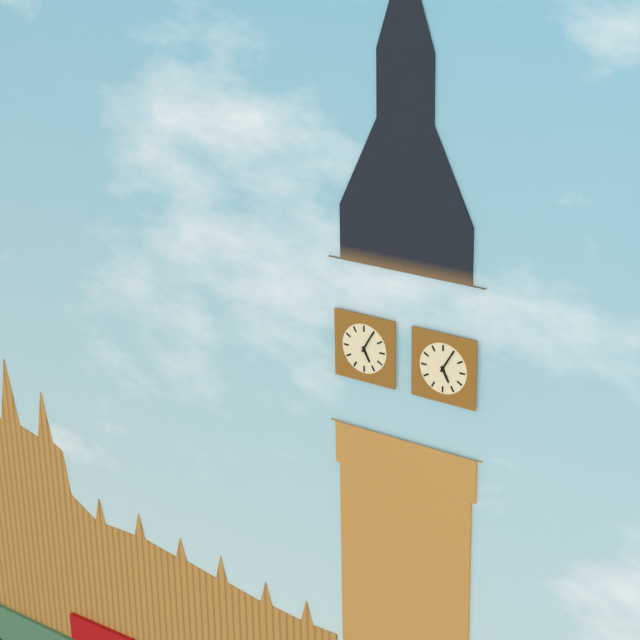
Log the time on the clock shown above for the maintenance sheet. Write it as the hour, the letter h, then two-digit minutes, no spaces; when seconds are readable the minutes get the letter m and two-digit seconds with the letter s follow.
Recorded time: 5h05
